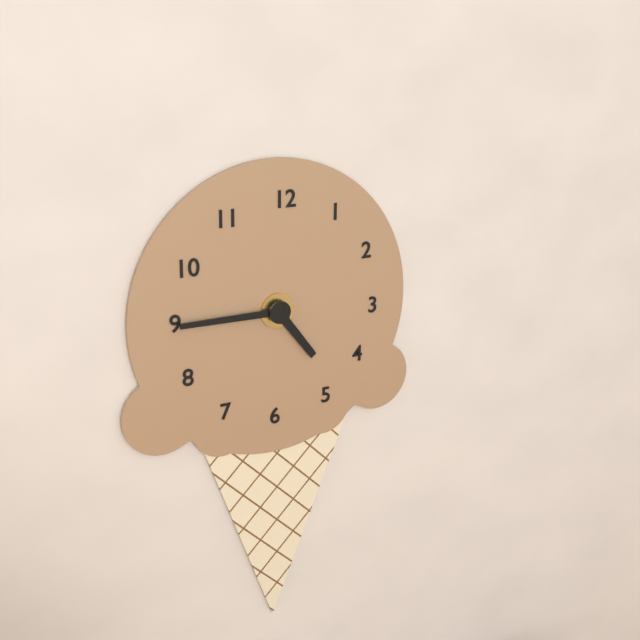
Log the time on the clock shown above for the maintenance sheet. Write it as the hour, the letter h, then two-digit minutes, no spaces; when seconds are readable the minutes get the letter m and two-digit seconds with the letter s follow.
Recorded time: 4h45
